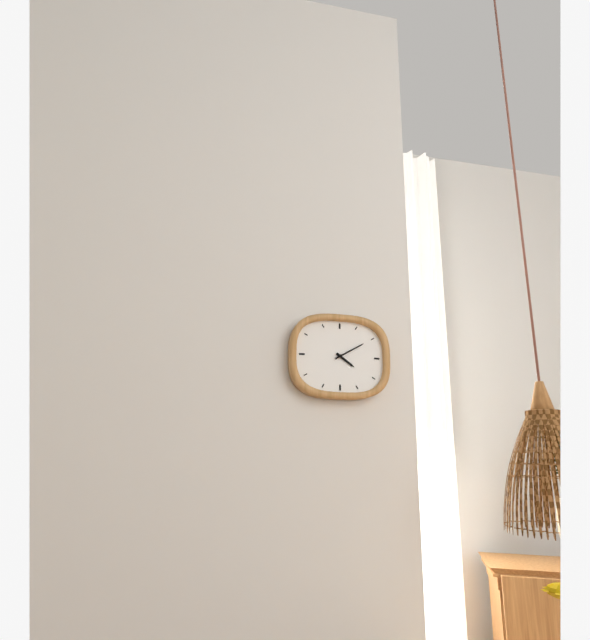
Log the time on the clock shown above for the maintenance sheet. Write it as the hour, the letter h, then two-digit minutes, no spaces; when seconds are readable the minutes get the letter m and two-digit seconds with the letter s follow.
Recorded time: 4h10
